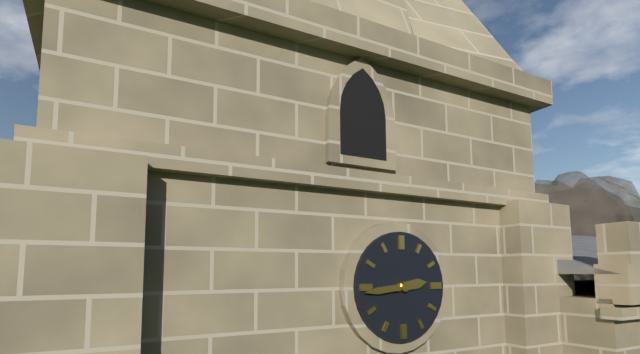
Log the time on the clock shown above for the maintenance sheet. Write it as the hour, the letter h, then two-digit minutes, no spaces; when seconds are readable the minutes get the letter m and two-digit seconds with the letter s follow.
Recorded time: 2h44
